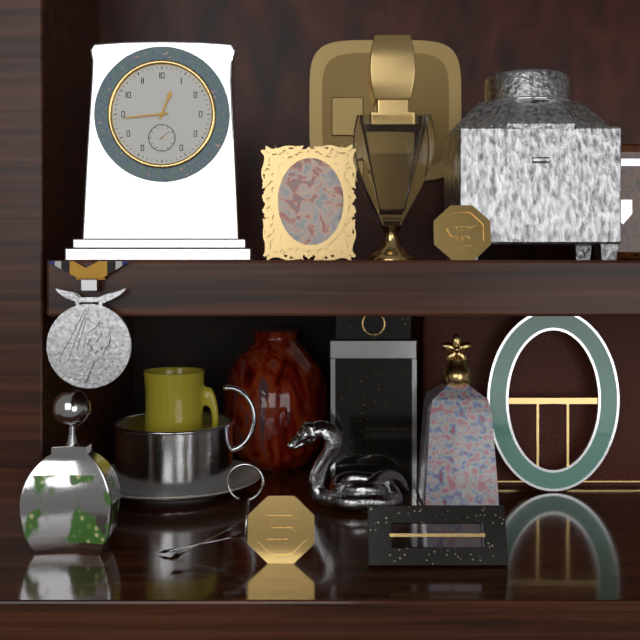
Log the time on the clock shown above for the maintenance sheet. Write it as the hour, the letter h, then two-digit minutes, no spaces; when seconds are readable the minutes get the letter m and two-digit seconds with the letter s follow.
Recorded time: 12h44
